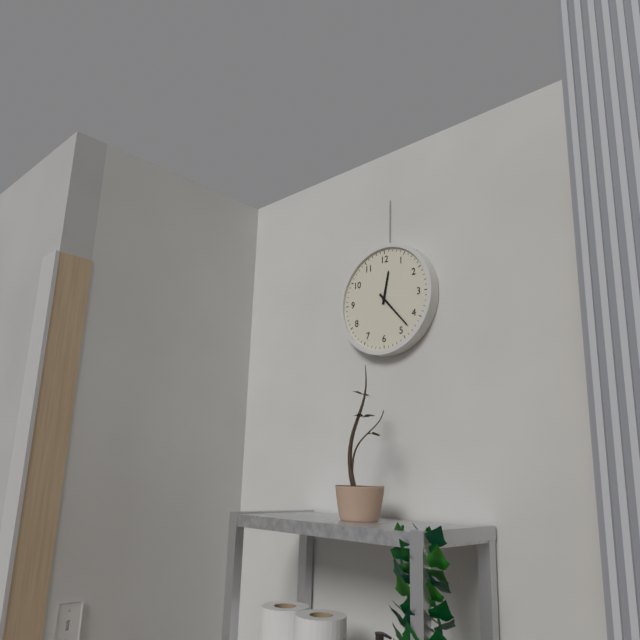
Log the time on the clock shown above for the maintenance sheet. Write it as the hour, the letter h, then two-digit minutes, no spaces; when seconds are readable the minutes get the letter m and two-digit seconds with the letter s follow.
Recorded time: 12h23
